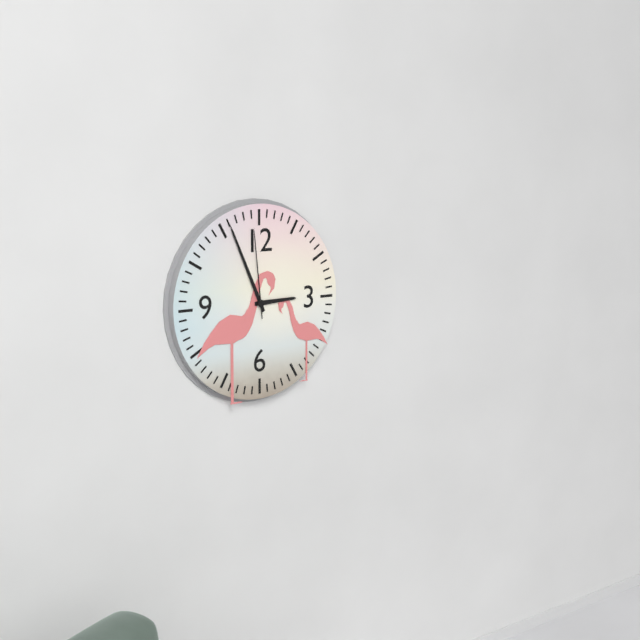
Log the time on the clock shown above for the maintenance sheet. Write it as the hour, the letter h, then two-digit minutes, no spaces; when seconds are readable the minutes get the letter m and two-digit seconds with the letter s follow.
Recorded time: 2h56m59s
